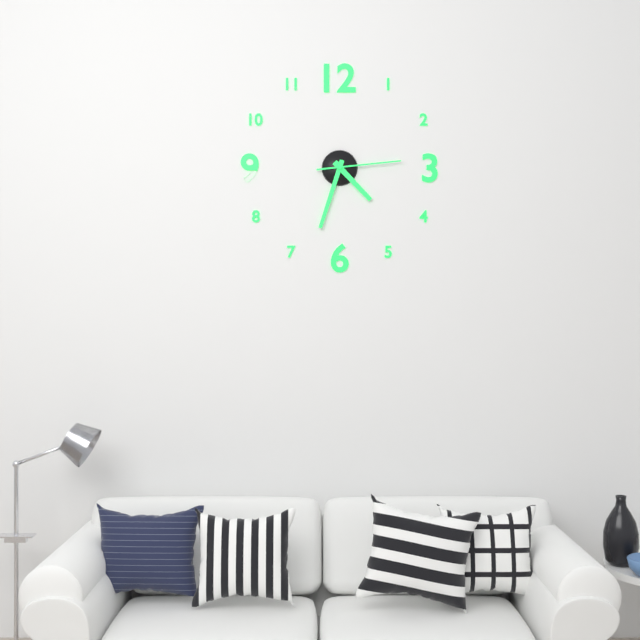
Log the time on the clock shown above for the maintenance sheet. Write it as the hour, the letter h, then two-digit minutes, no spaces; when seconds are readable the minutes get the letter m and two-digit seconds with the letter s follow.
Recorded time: 4h33m14s
